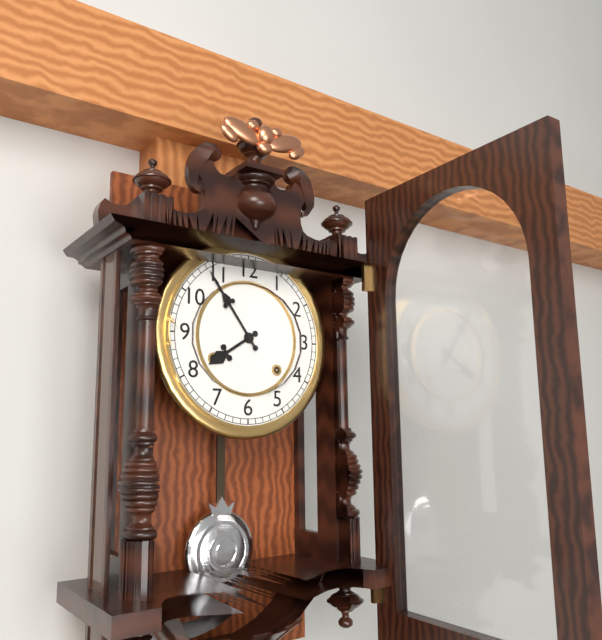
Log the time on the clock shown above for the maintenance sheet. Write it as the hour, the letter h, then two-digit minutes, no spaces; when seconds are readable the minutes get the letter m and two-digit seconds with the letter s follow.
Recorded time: 7h54
